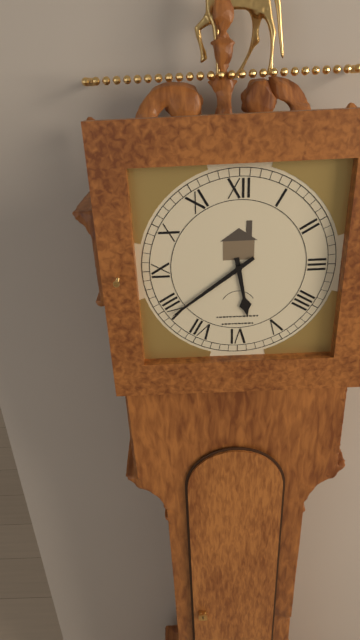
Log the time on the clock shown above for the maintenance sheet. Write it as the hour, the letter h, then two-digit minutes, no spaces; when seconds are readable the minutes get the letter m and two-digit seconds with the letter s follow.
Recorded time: 5h39
